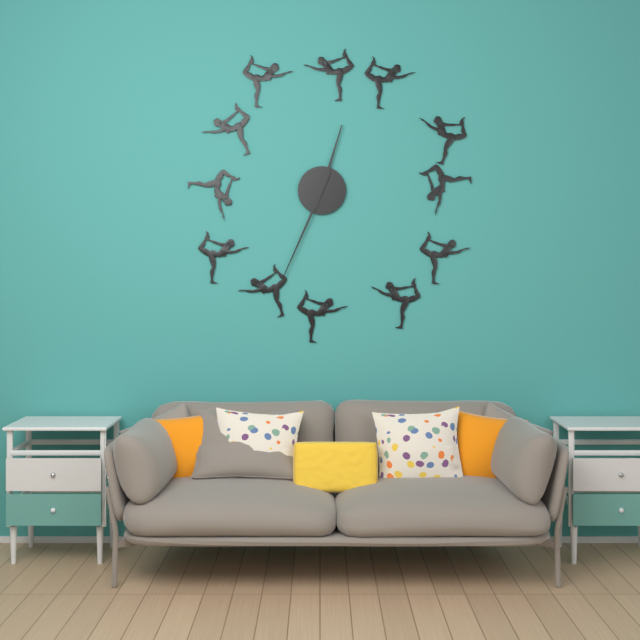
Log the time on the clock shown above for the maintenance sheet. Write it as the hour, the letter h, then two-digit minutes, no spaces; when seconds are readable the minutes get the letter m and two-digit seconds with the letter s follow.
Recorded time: 12h34
